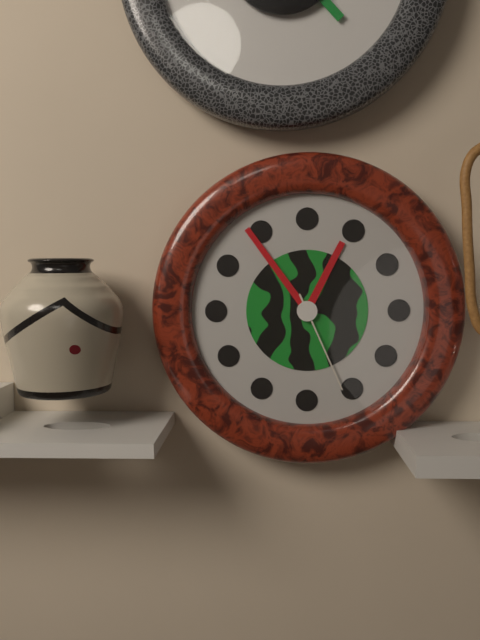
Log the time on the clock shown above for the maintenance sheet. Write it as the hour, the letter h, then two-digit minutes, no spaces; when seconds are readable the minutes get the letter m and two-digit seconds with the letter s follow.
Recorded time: 12h54m26s
